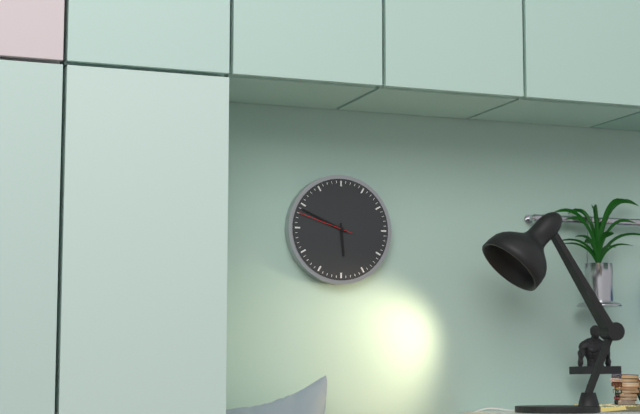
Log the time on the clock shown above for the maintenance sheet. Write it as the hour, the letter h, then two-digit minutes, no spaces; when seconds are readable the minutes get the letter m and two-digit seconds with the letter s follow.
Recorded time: 5h49m48s
